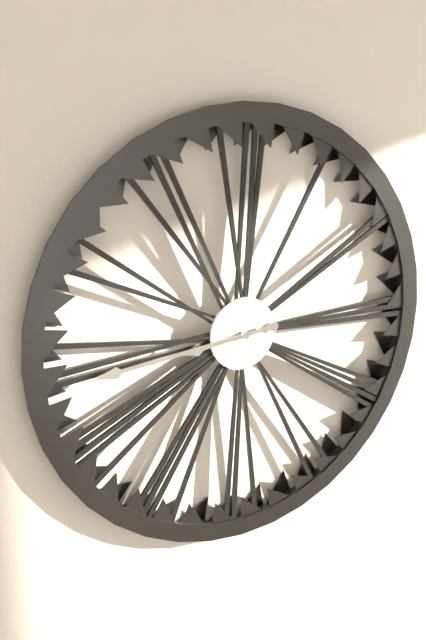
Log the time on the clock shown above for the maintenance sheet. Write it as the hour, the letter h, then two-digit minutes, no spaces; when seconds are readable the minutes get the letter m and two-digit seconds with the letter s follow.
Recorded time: 8h44
